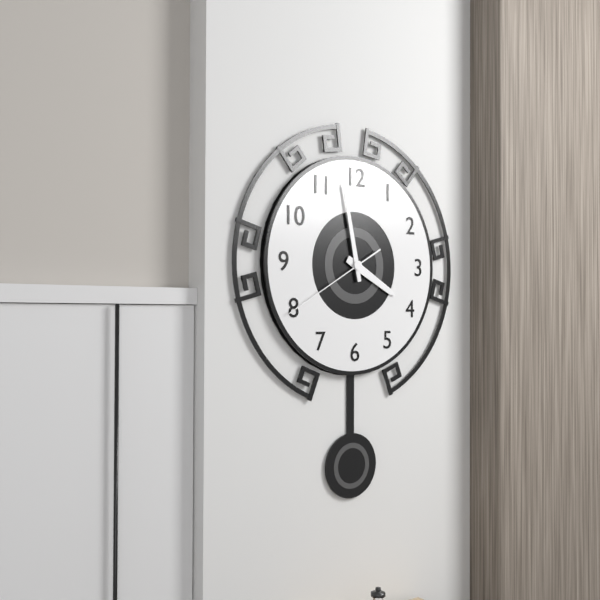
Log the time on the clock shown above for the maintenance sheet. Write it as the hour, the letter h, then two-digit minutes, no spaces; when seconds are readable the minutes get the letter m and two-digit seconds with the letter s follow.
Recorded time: 3h58m40s
